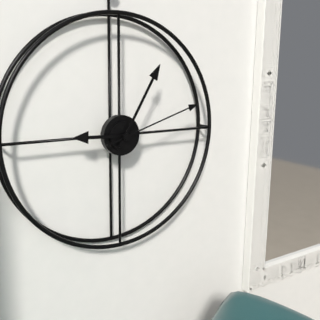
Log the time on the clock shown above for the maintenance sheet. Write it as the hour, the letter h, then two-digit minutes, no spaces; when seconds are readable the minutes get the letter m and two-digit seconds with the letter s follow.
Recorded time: 9h05m12s
